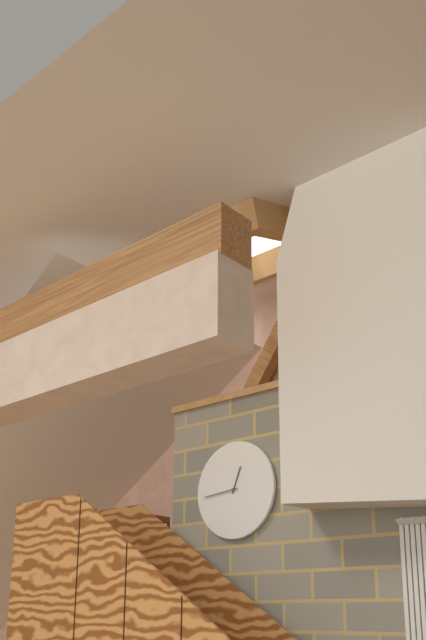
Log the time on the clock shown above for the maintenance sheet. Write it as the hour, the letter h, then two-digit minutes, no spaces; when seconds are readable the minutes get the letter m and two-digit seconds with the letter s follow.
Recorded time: 12h44
